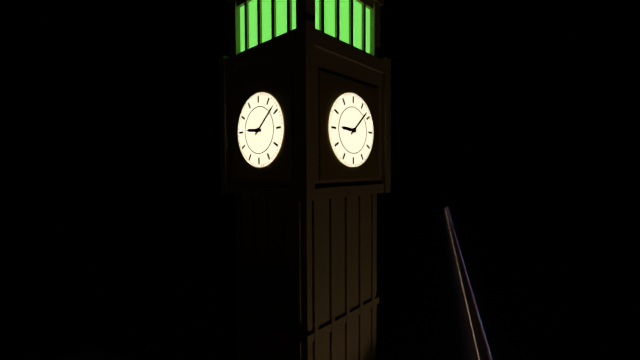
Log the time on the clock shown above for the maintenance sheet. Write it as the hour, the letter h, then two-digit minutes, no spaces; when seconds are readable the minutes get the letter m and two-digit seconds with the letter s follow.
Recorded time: 9h08
